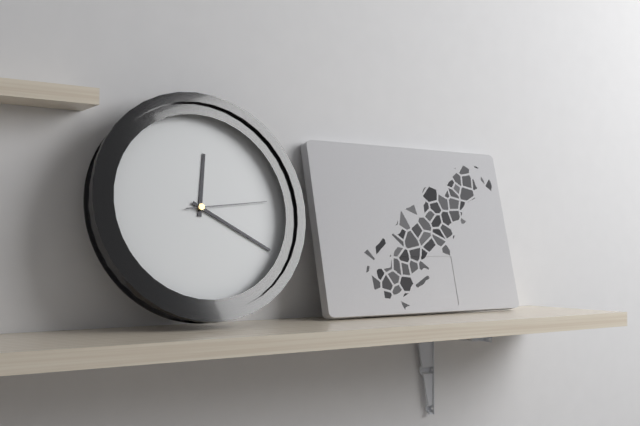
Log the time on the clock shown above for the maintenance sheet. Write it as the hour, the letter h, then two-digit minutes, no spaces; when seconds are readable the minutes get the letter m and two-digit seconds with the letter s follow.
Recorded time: 12h20m14s
